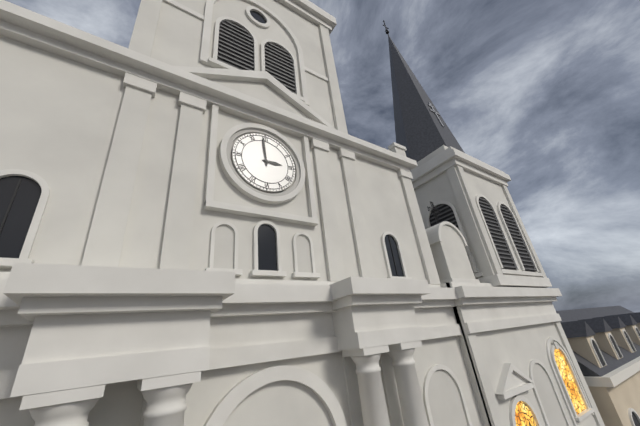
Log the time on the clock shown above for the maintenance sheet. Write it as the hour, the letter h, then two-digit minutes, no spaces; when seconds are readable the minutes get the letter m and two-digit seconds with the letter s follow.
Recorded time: 2h59
